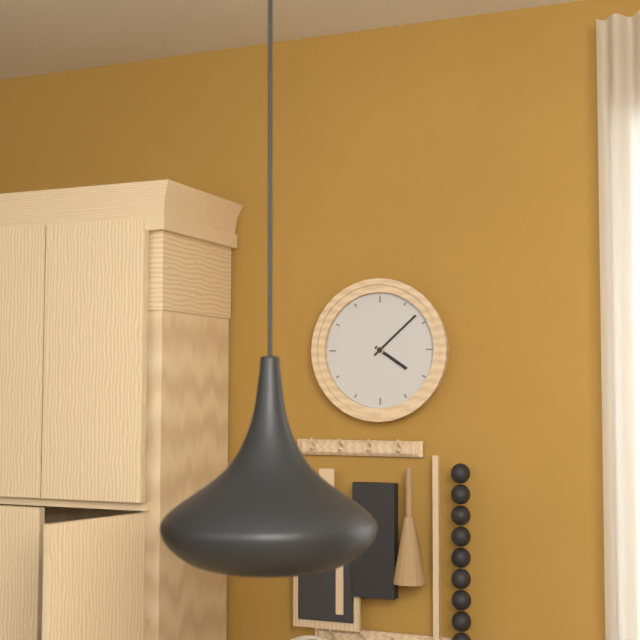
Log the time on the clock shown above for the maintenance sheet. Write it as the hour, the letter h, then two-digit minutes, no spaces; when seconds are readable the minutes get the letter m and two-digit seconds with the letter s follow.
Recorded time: 4h08
